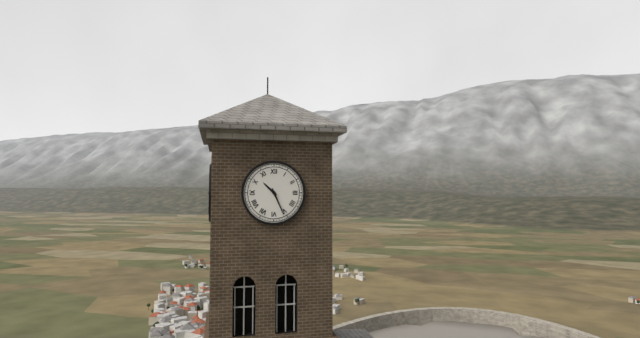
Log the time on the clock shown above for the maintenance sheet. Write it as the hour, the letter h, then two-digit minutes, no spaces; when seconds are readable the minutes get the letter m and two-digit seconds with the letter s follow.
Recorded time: 10h26
